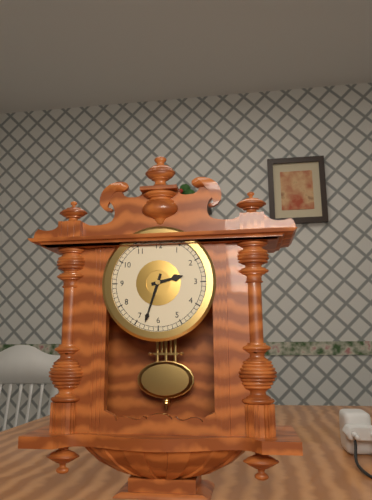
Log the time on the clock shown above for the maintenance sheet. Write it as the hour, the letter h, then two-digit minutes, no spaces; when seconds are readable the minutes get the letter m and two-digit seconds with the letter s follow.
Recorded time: 2h33
